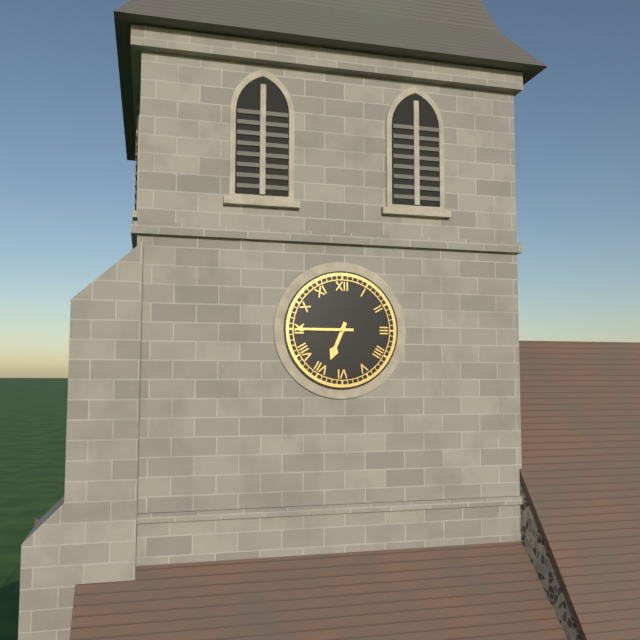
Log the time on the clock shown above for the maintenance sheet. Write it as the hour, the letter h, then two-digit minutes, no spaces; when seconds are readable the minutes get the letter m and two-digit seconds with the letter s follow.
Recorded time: 6h45
